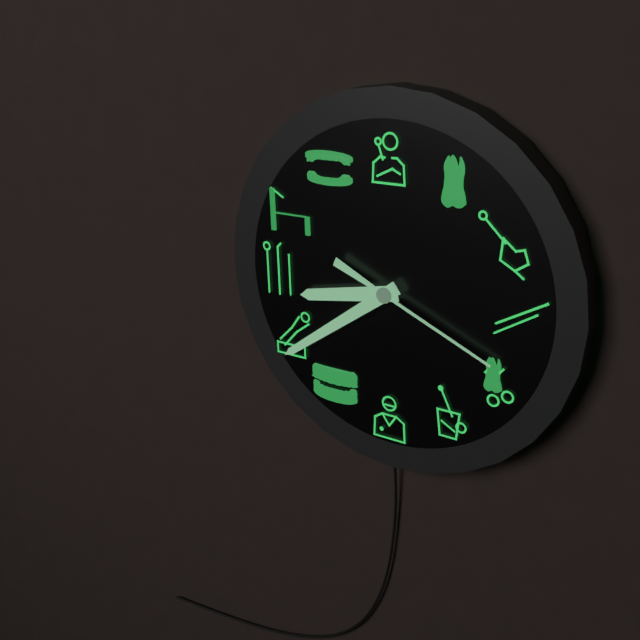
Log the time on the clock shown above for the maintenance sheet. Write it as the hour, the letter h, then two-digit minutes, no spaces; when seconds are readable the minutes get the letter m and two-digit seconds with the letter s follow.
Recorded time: 8h39m19s
